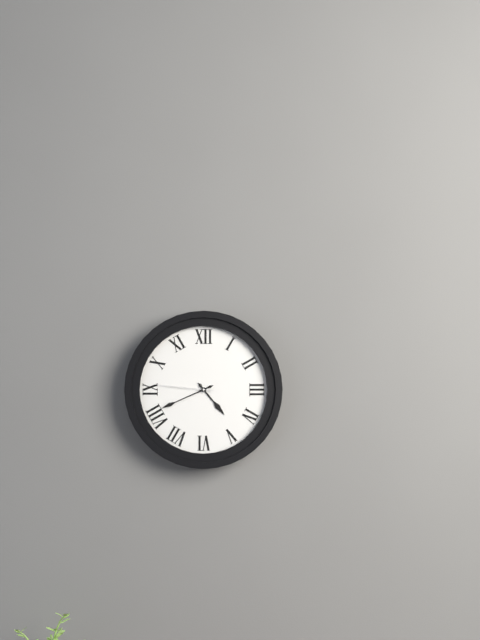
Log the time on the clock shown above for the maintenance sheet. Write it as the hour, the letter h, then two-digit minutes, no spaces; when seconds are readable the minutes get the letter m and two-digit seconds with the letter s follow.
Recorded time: 4h41m46s
